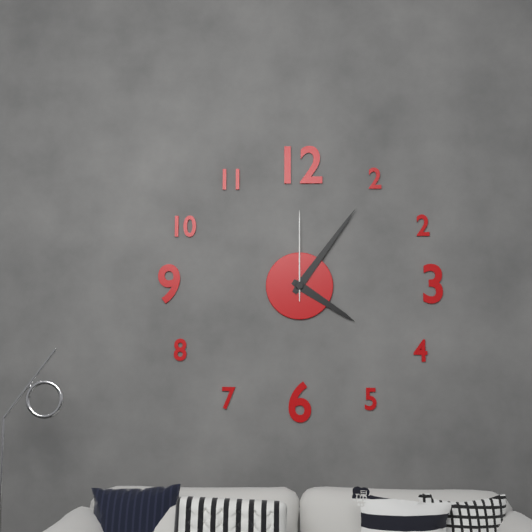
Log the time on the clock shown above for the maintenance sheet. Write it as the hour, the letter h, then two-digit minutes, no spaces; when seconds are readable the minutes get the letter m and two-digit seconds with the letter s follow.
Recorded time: 4h06m00s
